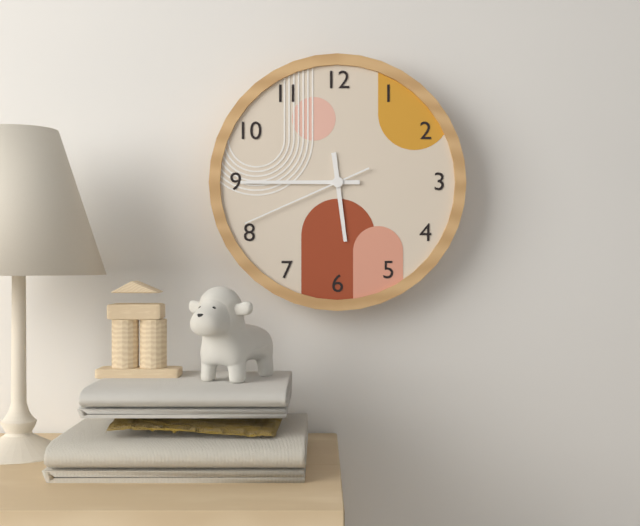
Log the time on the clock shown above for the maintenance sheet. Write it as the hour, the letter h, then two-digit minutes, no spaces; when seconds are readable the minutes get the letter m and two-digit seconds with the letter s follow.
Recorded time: 5h45m41s
